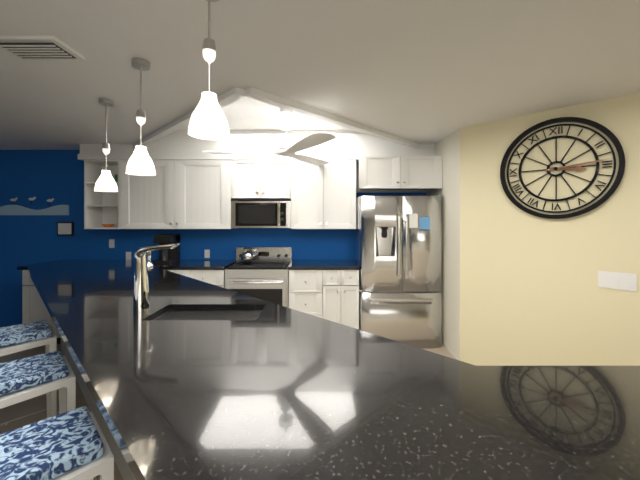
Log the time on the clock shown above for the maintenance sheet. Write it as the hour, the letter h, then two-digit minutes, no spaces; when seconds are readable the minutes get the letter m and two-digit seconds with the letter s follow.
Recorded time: 3h14
